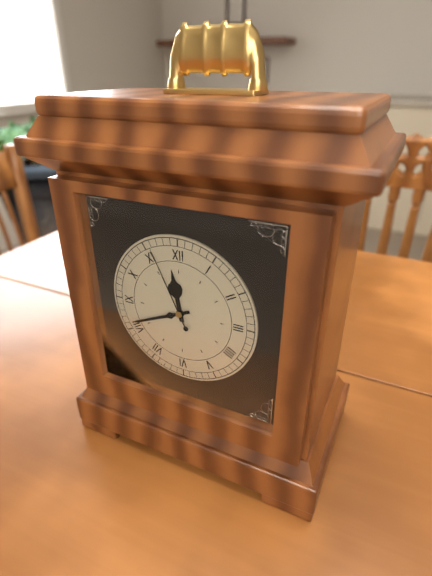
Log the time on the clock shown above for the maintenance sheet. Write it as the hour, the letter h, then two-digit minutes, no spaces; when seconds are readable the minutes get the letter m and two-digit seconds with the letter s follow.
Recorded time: 11h41m56s
